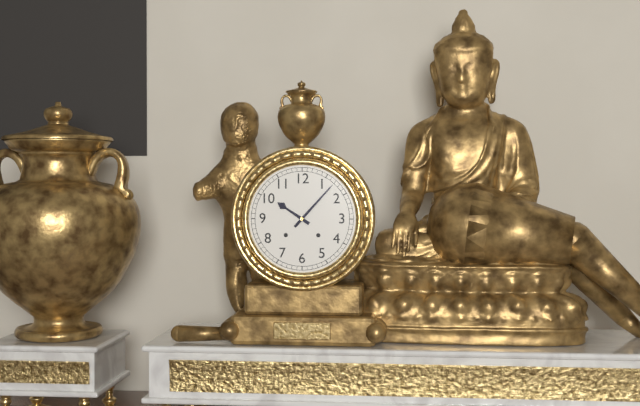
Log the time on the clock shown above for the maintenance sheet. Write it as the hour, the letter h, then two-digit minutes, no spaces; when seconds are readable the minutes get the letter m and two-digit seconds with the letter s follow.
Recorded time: 10h07
